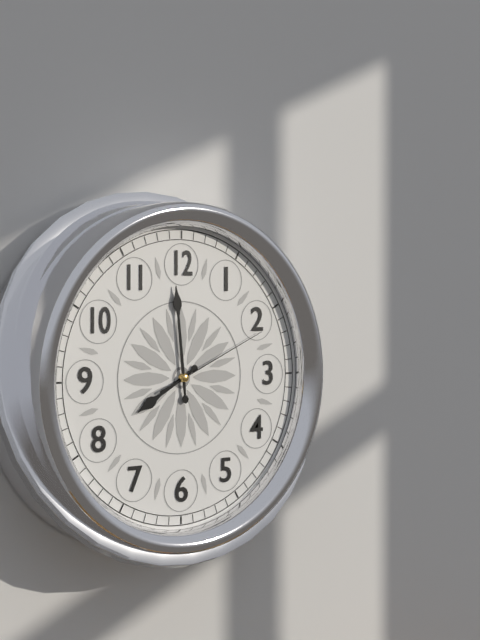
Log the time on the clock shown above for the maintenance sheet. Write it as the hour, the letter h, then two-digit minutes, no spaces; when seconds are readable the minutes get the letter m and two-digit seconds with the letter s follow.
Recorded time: 7h59m11s
